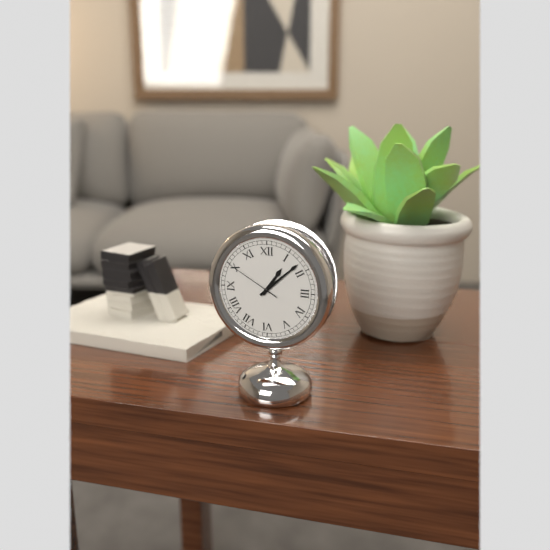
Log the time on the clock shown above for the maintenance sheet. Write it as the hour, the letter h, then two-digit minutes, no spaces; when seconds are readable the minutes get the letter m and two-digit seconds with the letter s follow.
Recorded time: 1h08m50s
